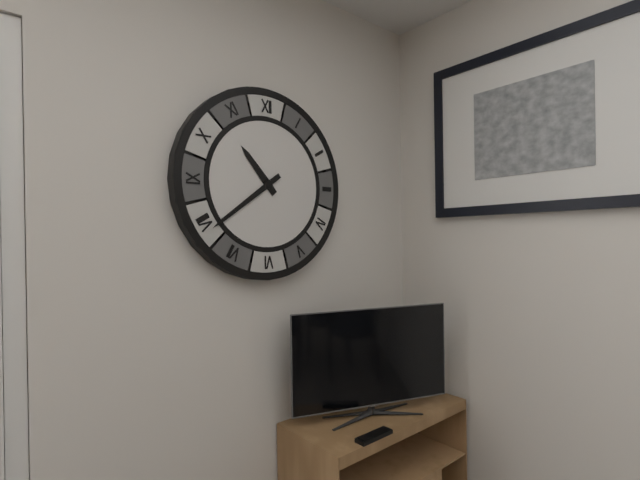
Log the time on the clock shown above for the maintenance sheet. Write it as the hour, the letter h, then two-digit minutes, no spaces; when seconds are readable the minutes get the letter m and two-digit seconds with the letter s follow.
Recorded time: 10h39
